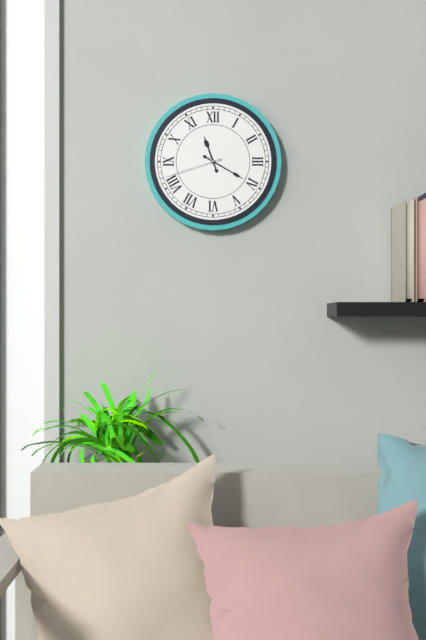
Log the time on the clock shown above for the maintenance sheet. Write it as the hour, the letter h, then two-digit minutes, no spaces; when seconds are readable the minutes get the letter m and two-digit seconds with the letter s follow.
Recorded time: 11h20m42s
